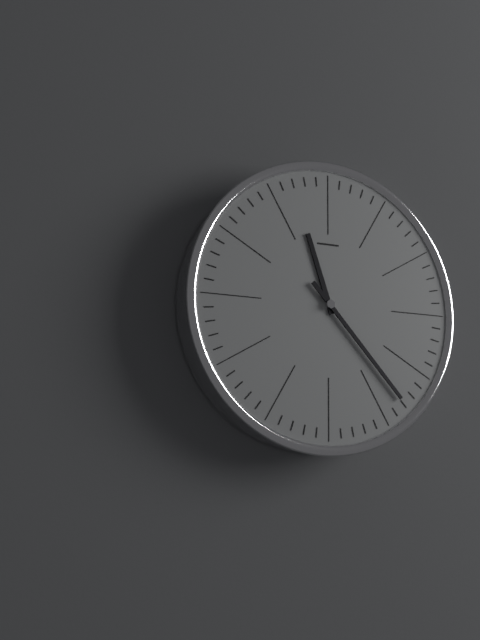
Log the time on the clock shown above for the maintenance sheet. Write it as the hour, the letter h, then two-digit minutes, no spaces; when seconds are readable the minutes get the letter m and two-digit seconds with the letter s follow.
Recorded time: 11h23
